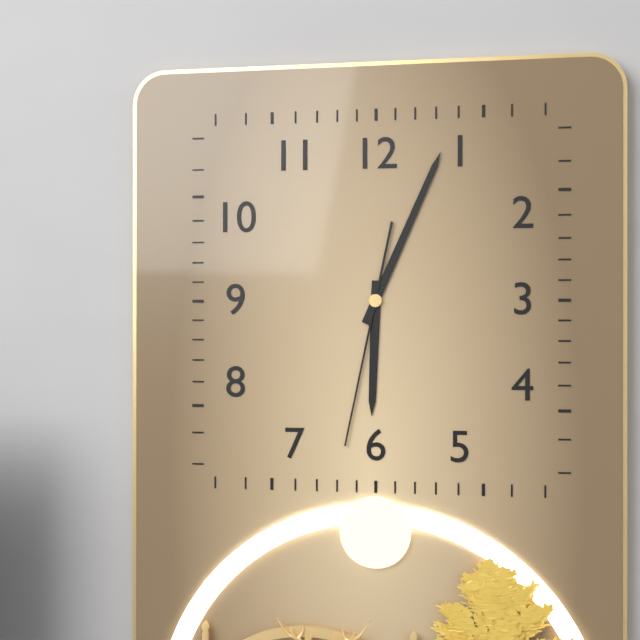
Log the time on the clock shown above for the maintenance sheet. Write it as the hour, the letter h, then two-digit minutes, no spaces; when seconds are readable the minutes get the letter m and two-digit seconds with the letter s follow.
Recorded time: 6h04m32s
